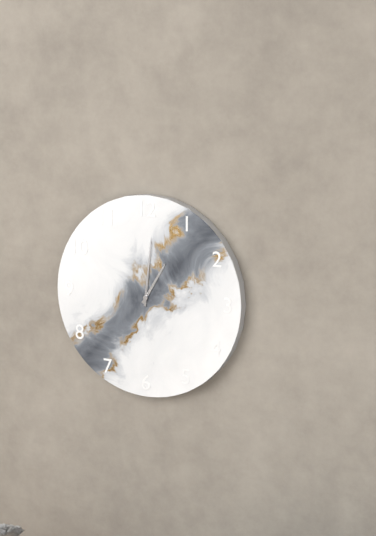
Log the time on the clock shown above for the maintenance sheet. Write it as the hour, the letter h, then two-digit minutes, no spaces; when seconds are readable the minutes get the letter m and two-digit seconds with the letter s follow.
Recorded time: 1h01
